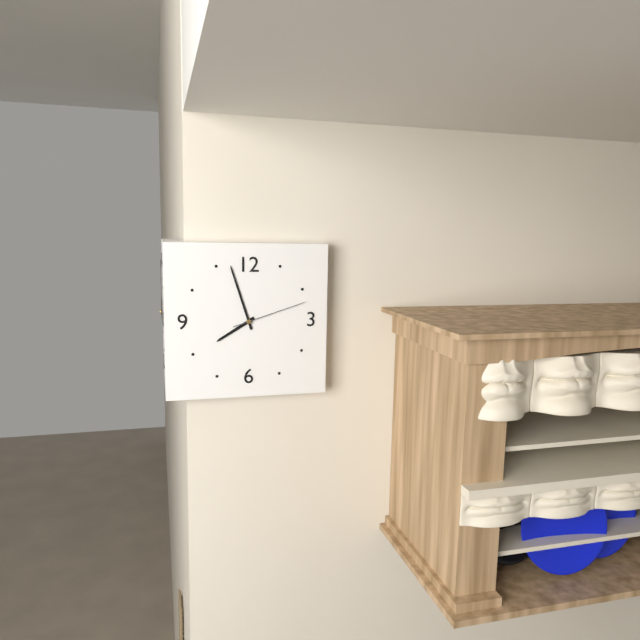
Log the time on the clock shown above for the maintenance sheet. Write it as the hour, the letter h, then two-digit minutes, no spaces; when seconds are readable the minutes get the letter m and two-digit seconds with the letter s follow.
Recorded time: 7h57m12s
